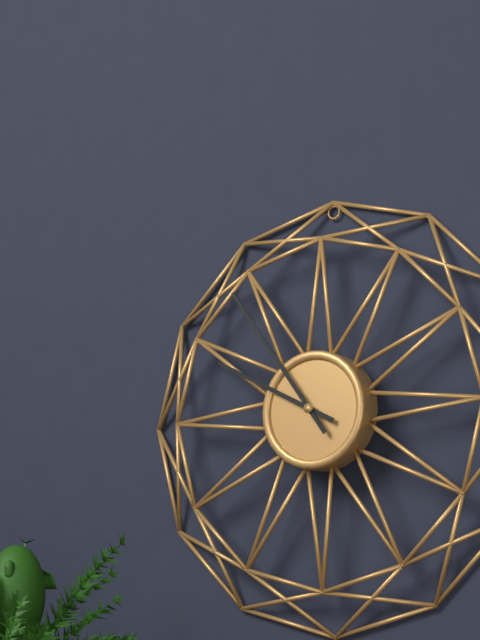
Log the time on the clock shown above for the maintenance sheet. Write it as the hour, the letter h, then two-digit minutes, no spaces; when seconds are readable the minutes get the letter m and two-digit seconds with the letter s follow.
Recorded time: 9h54
